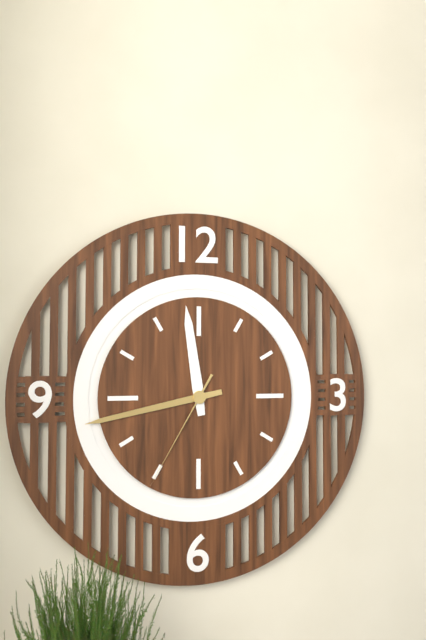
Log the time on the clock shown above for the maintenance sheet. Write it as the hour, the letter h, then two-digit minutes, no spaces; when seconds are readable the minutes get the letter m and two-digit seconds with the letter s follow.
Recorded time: 11h43m35s
